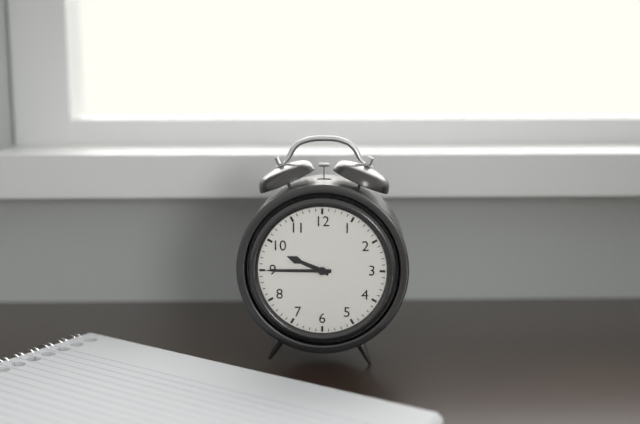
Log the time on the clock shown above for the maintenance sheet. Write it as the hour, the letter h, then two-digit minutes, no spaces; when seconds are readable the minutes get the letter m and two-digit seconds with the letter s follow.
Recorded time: 9h45
